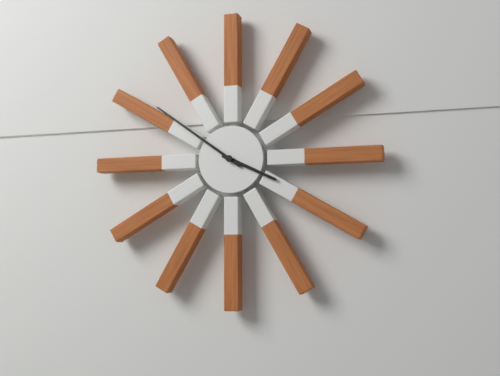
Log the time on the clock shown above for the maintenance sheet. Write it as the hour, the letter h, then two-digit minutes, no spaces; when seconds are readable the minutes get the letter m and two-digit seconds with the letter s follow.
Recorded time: 3h51
